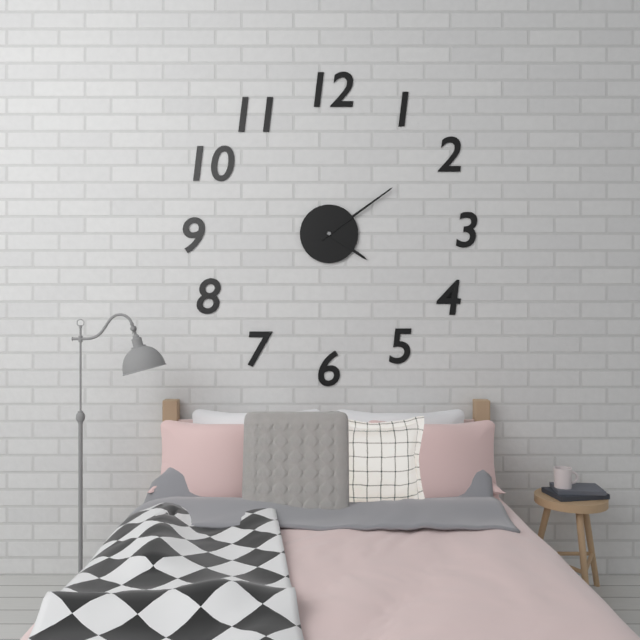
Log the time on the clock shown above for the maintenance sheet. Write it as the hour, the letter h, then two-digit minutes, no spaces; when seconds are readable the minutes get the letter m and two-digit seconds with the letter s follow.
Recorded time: 4h09
